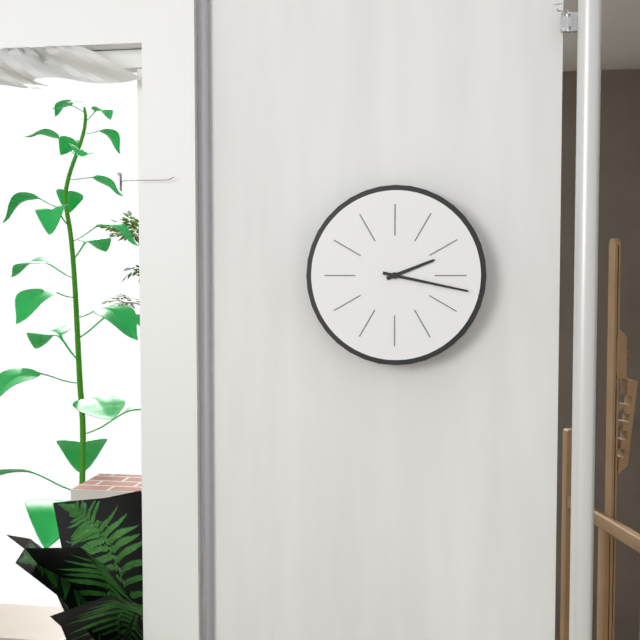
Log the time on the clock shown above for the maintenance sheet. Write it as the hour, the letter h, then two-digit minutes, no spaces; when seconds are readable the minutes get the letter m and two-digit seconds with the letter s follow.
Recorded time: 2h17
